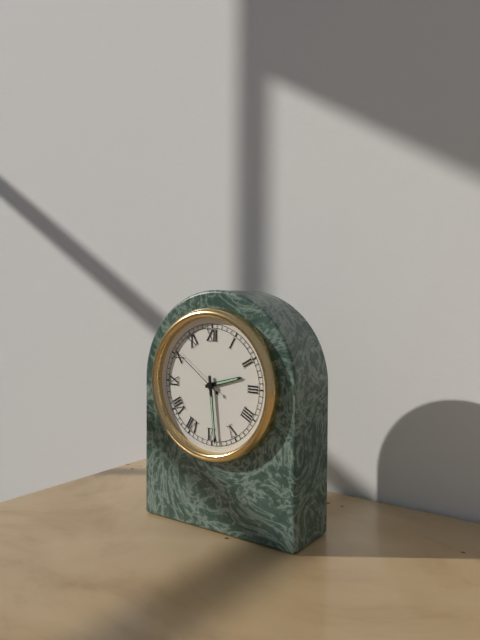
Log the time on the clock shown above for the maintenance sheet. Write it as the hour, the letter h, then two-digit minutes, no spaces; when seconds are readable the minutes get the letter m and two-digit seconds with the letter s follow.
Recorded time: 2h29m51s
